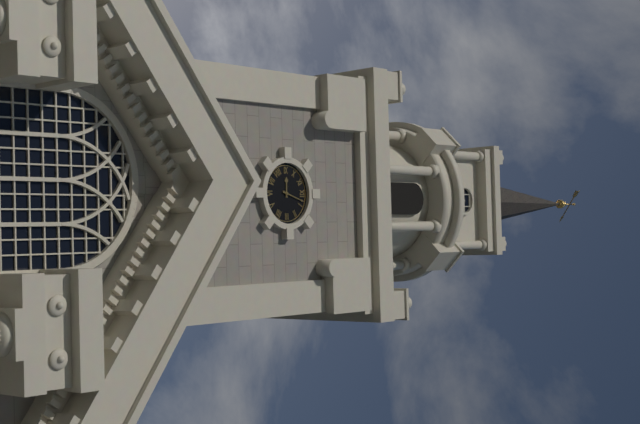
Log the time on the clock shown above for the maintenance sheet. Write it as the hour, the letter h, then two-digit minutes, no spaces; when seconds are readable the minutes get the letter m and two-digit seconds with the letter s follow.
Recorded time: 9h03
